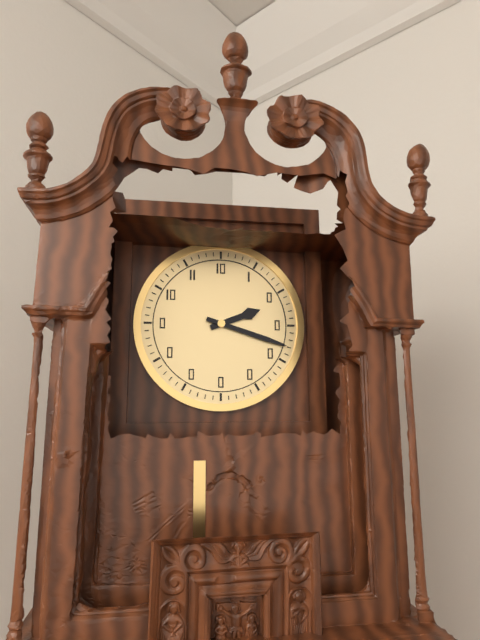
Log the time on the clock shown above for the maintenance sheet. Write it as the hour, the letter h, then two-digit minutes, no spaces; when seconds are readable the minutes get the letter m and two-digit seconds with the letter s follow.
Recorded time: 2h18
